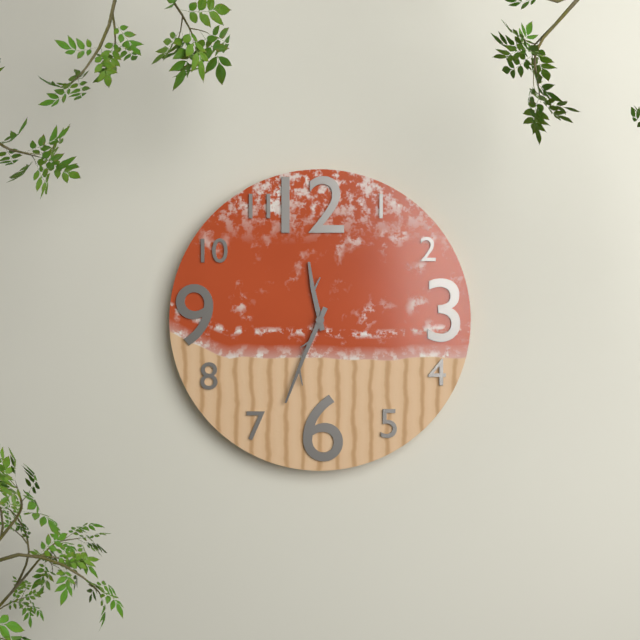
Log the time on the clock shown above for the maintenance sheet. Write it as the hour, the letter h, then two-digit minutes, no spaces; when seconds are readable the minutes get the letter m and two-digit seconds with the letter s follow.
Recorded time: 11h34
